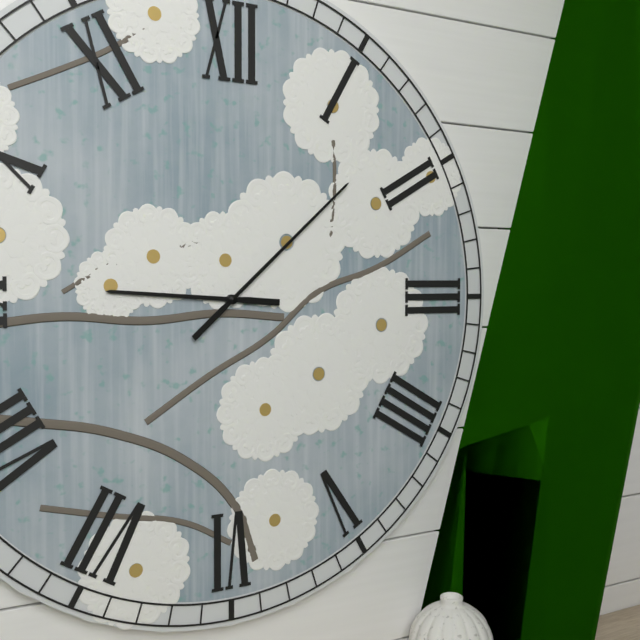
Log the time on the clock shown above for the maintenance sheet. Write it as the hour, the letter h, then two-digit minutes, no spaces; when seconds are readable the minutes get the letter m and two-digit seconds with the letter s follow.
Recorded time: 9h08
